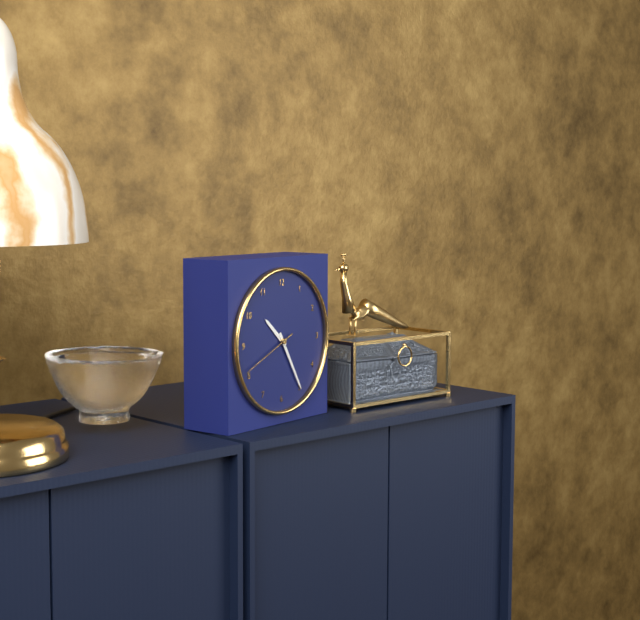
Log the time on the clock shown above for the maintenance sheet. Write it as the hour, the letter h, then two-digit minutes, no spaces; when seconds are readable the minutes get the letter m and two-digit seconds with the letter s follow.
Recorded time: 10h25m41s
